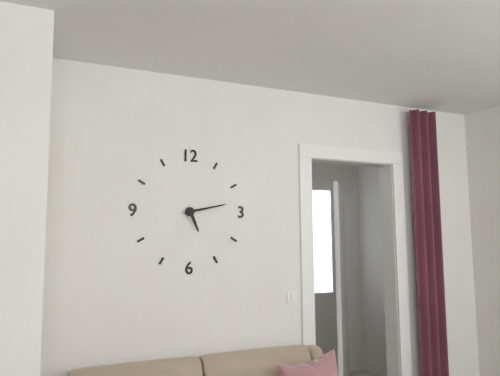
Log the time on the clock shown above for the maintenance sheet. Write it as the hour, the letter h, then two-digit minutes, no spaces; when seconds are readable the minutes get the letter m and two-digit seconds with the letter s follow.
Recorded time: 5h13
